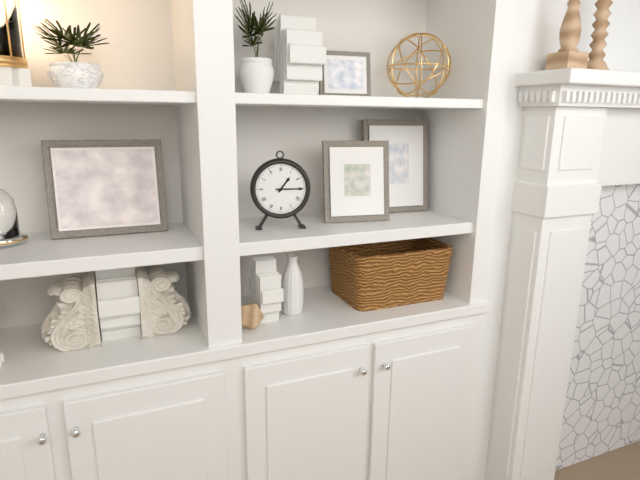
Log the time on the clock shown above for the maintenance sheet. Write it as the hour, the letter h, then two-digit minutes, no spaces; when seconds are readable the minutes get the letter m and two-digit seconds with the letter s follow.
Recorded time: 1h15
